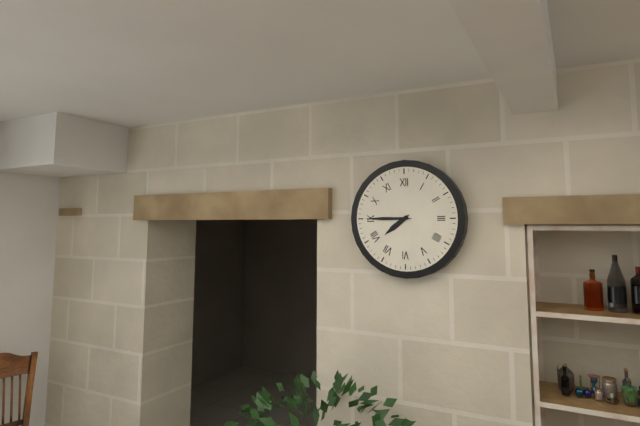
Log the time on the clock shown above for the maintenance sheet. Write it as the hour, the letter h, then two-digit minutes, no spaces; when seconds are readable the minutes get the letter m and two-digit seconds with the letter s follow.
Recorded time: 7h45
